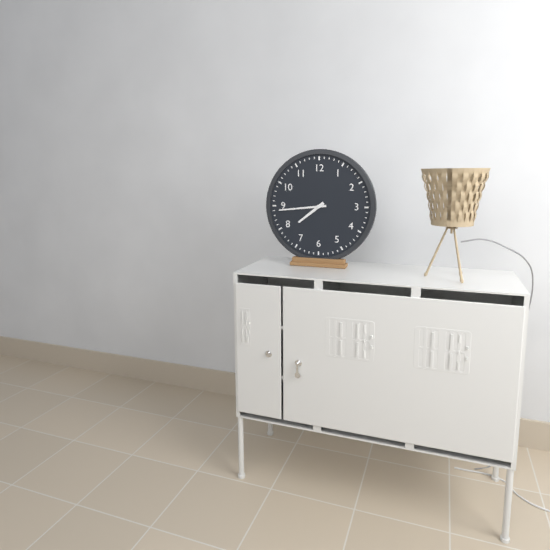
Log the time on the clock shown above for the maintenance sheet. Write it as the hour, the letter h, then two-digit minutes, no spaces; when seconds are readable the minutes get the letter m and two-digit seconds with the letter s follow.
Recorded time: 7h44
